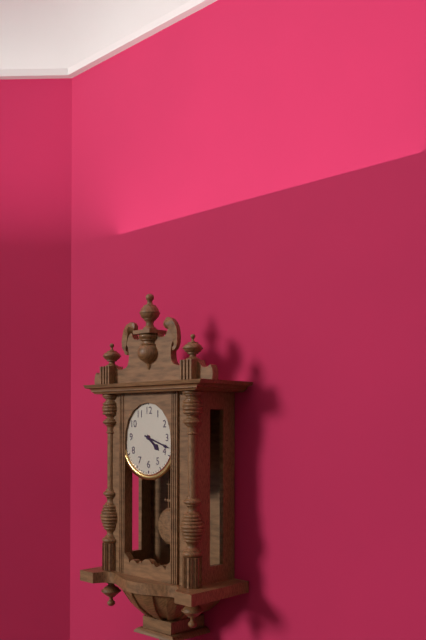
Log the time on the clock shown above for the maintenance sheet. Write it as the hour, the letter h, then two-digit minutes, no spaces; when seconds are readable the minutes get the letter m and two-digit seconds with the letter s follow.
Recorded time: 4h18
